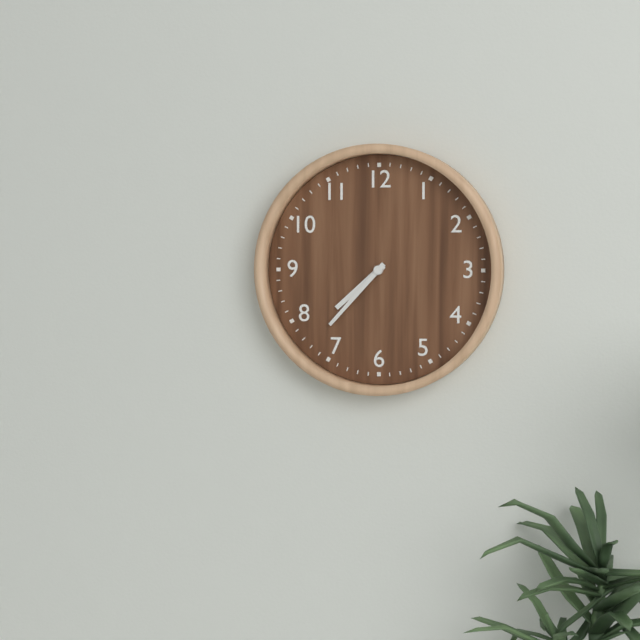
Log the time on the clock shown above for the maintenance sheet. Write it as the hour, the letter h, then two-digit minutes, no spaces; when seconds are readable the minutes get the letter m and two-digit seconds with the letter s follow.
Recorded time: 7h37
